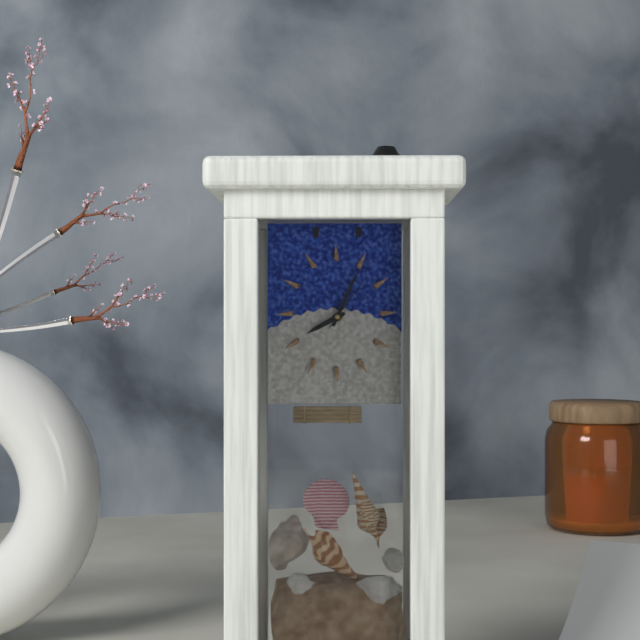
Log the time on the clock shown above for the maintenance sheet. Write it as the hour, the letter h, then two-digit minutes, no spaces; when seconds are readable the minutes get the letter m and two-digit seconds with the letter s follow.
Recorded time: 8h04m06s
